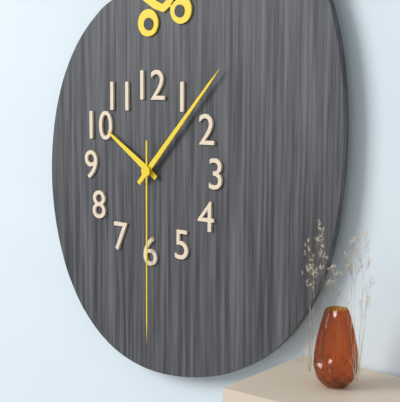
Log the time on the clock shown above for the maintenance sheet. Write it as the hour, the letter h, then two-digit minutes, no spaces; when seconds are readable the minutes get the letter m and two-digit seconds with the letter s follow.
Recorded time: 10h07m30s
